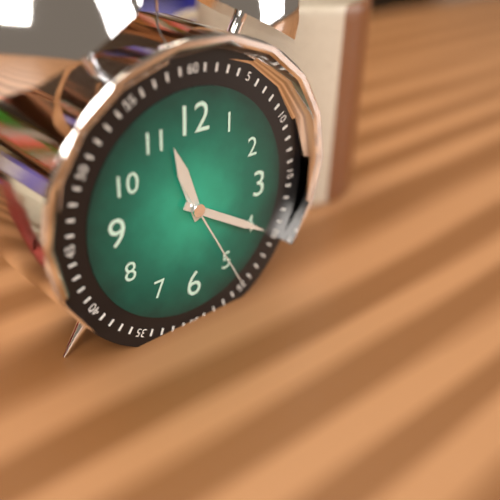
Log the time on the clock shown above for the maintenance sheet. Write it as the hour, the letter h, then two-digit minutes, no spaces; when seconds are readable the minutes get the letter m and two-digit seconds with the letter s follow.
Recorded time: 11h20m25s
